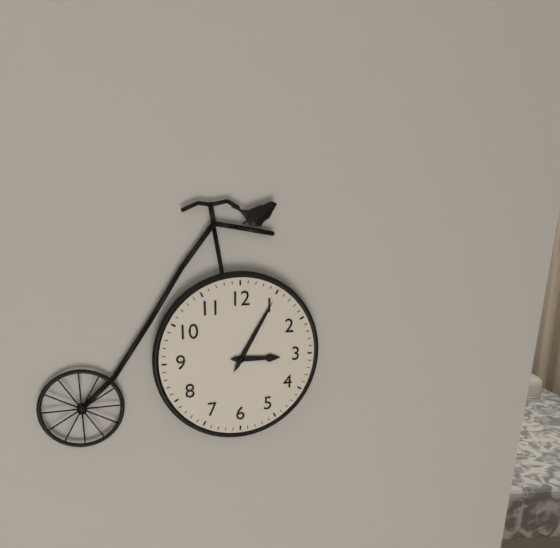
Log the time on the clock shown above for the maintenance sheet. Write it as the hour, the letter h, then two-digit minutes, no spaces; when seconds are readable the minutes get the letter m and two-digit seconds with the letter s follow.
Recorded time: 3h05
